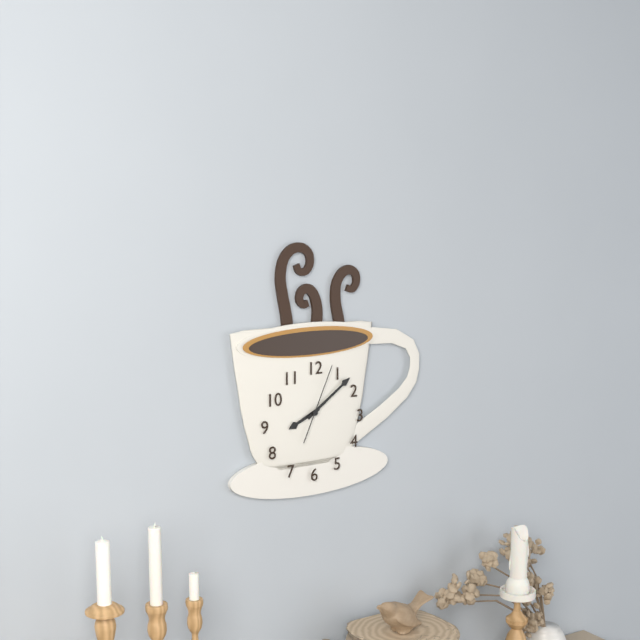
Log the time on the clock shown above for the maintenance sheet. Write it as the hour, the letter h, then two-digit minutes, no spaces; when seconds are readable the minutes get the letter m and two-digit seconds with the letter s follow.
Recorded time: 8h09m04s
